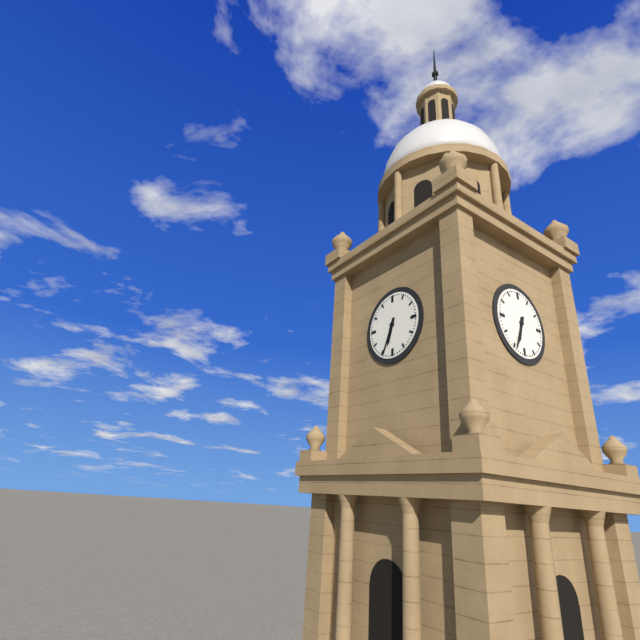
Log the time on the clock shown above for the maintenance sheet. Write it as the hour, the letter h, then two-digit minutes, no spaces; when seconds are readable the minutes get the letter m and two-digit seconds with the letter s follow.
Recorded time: 6h34
